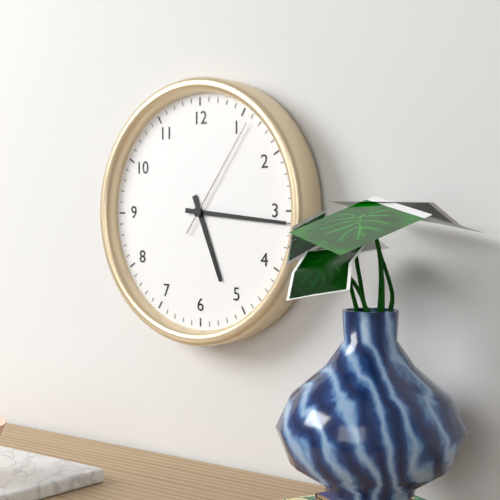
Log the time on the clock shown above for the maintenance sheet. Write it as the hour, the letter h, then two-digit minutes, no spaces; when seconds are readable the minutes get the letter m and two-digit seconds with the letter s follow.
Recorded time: 5h16m06s
